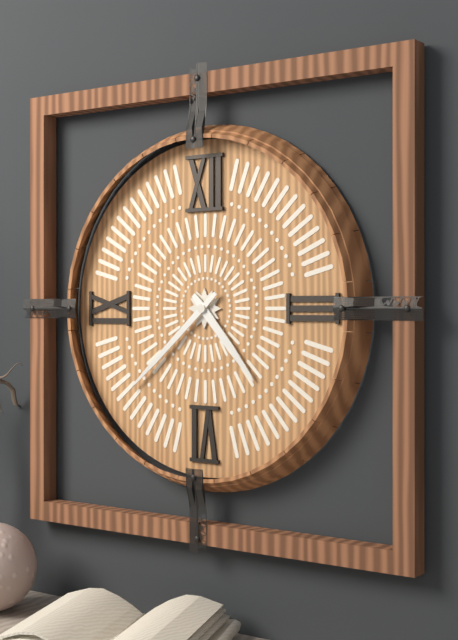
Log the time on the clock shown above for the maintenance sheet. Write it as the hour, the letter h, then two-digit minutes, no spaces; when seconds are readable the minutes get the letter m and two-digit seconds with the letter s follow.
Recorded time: 4h38
